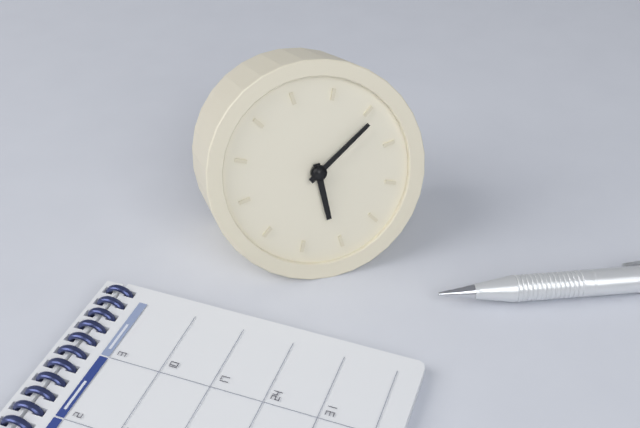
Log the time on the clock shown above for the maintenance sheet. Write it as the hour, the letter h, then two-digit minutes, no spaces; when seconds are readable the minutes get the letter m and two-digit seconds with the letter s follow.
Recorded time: 6h11
